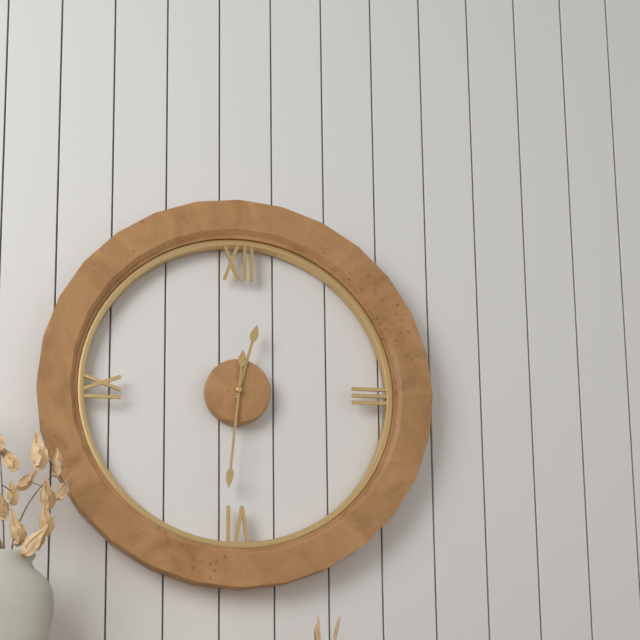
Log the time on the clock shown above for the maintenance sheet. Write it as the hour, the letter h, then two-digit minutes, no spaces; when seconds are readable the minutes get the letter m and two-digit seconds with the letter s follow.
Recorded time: 12h31
